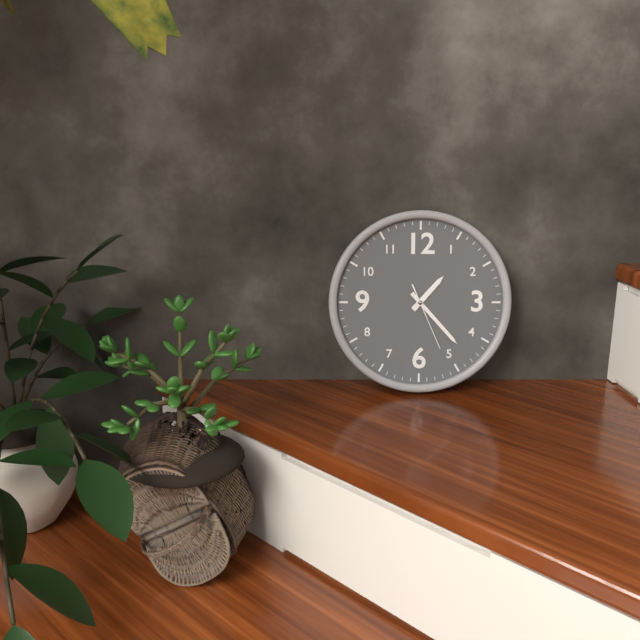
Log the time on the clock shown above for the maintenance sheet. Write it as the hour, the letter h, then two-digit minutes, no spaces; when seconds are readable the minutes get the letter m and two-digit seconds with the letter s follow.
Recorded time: 1h23m26s
